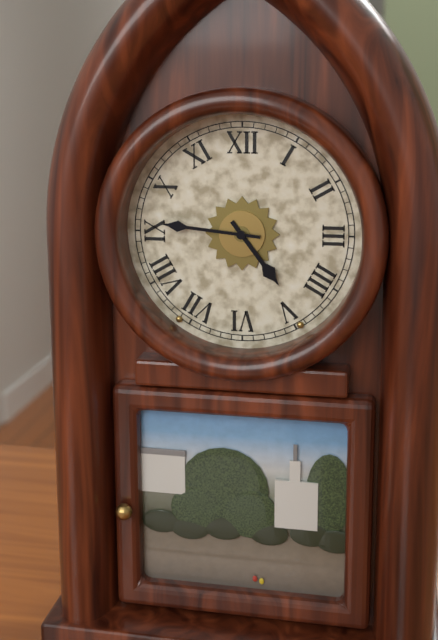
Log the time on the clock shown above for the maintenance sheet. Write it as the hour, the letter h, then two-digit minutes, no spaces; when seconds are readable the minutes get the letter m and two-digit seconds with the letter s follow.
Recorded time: 4h46
